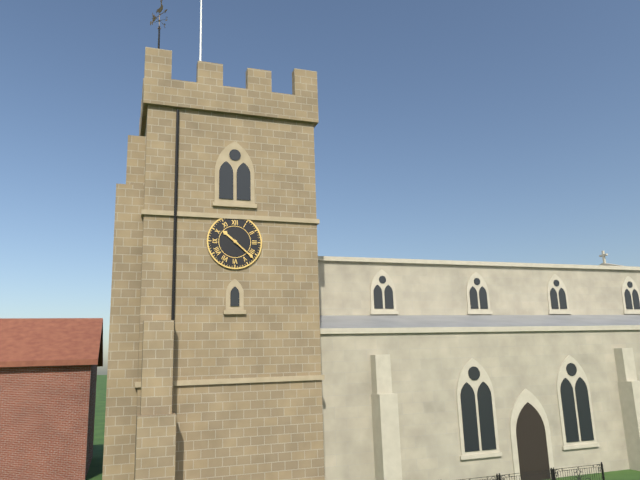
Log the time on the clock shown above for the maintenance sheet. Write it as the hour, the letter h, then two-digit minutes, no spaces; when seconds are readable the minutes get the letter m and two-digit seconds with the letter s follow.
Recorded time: 10h22
